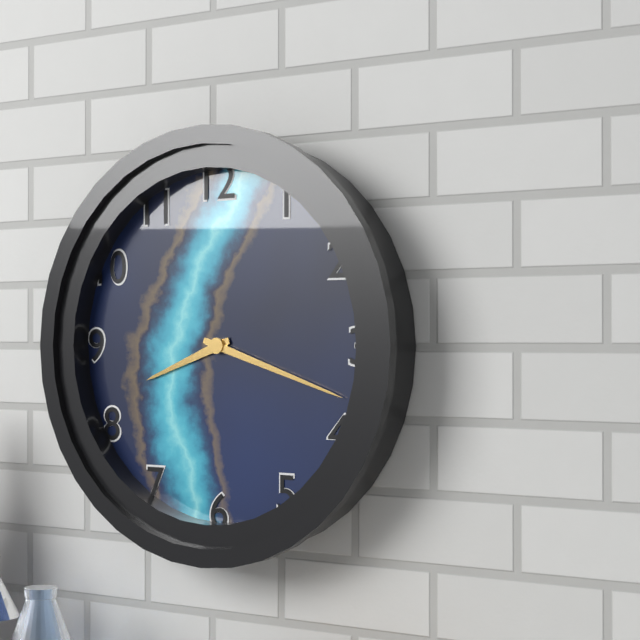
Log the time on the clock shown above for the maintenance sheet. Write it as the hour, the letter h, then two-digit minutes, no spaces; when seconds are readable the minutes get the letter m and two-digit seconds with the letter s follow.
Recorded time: 8h18
